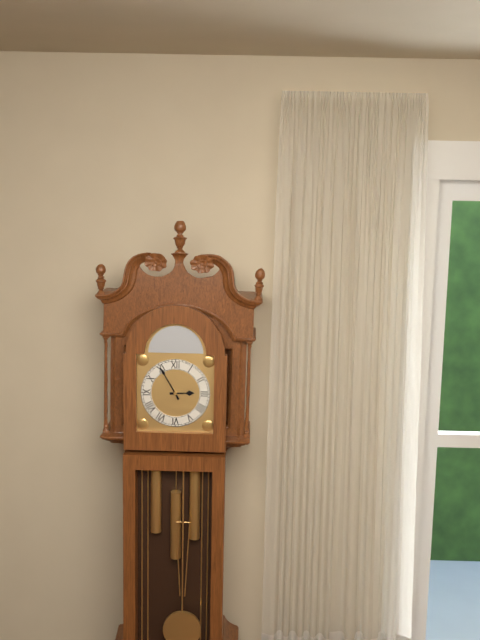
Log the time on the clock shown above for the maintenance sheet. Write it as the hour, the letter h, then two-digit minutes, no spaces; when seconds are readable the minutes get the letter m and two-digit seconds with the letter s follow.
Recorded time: 2h55
